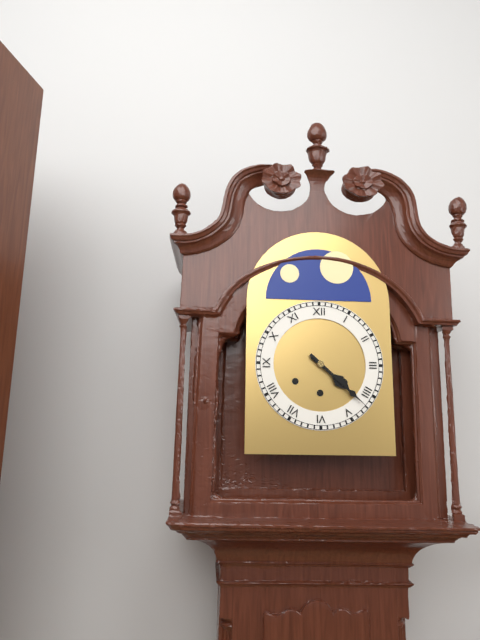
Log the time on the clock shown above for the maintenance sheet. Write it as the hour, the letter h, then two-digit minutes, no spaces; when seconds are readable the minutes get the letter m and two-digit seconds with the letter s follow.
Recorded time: 4h22
